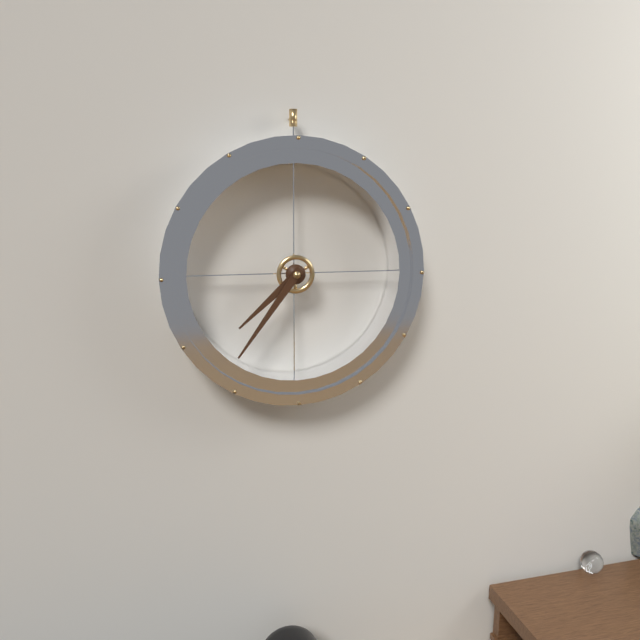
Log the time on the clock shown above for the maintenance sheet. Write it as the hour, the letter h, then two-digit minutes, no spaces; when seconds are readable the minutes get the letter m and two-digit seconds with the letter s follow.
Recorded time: 7h36
